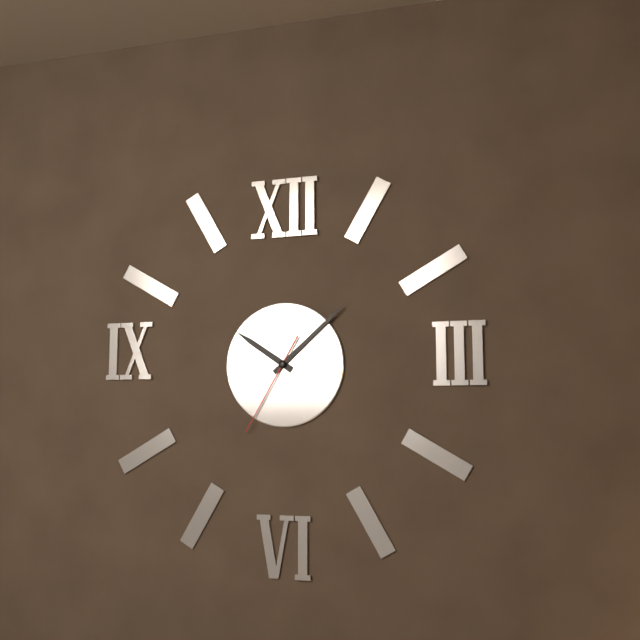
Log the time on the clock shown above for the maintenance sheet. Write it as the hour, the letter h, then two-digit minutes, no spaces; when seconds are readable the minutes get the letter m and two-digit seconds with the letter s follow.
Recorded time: 10h08m35s
